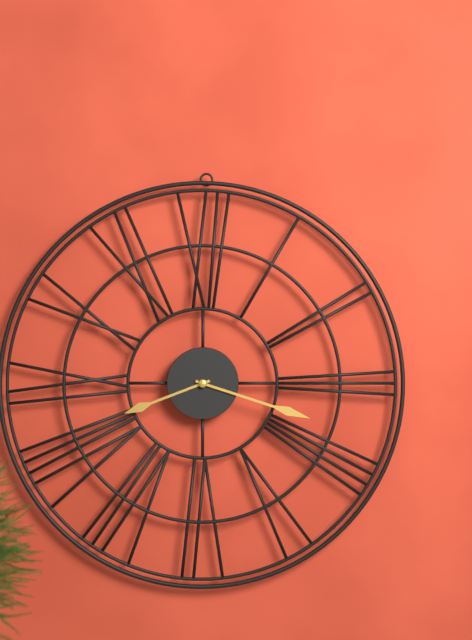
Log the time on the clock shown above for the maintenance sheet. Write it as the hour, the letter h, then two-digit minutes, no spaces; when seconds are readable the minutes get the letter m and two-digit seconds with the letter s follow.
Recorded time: 8h18
